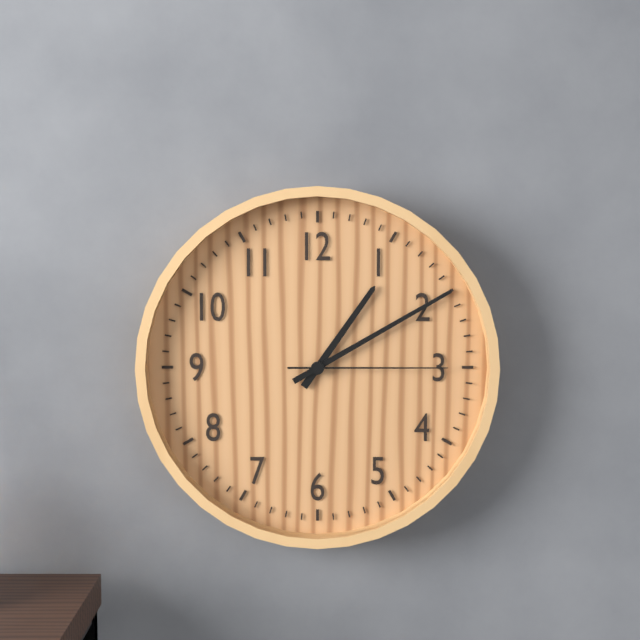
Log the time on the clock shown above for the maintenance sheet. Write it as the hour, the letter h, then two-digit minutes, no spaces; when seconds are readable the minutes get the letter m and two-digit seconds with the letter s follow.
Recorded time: 1h10m15s
